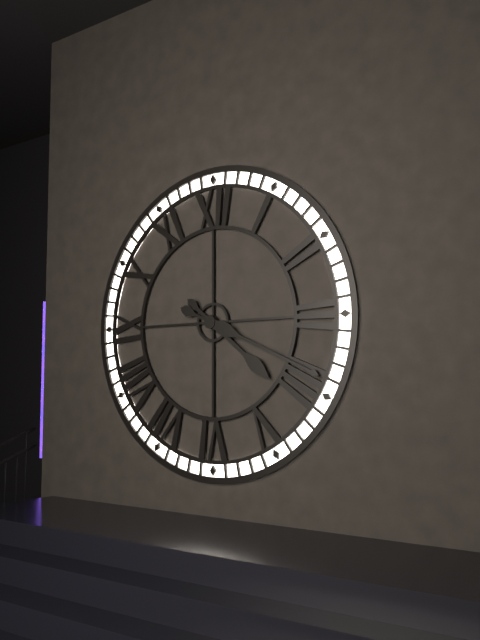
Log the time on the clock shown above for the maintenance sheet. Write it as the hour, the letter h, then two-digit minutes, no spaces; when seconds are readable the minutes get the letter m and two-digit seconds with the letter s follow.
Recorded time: 4h19
